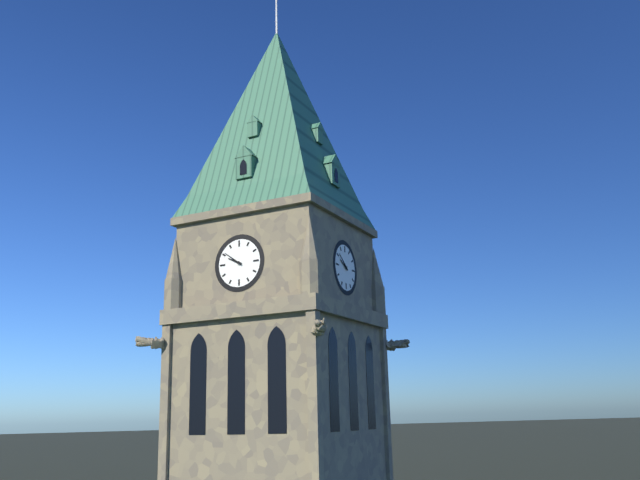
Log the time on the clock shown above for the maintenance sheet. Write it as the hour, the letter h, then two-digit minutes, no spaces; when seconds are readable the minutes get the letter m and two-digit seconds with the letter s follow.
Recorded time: 9h51
